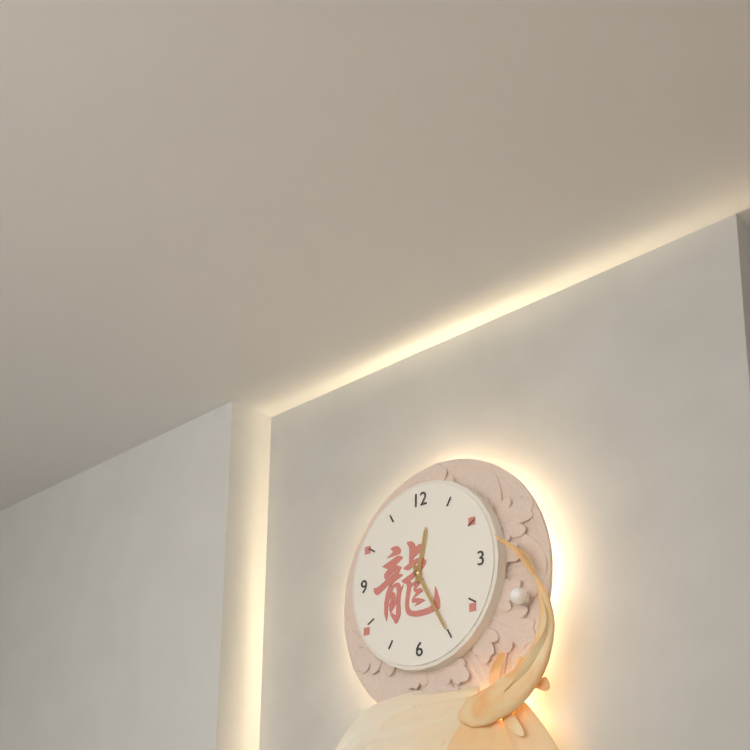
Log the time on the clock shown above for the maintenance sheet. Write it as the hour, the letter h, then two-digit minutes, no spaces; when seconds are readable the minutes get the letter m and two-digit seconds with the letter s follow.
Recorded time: 12h25
